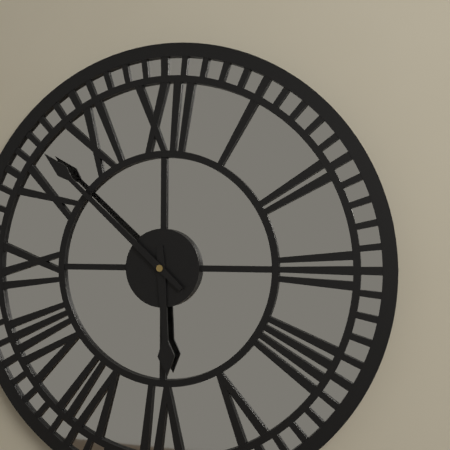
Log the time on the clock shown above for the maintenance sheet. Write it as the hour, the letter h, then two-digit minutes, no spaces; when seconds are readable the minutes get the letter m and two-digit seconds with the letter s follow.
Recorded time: 5h52
